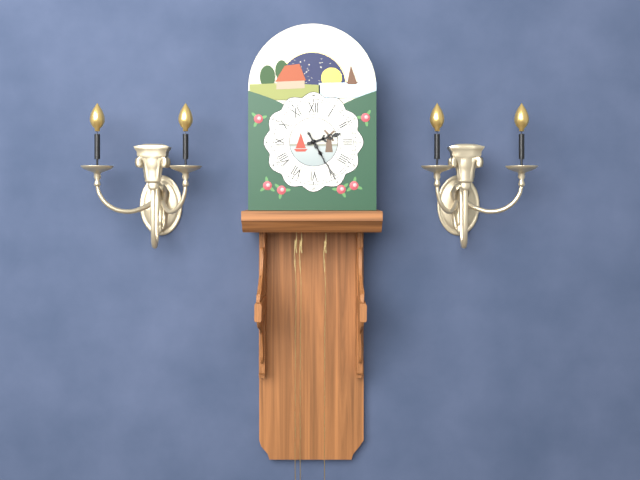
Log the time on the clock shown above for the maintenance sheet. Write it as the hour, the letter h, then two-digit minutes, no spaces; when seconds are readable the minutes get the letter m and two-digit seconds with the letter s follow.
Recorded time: 2h25
